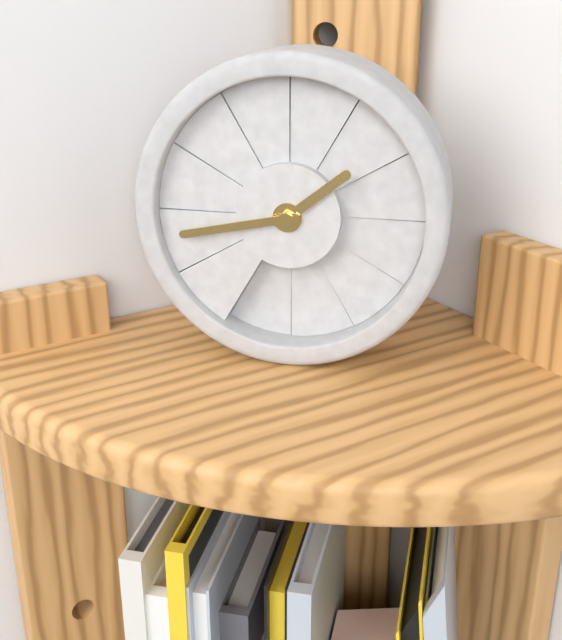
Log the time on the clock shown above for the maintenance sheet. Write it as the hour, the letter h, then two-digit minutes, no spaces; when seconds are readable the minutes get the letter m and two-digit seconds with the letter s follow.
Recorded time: 1h43
